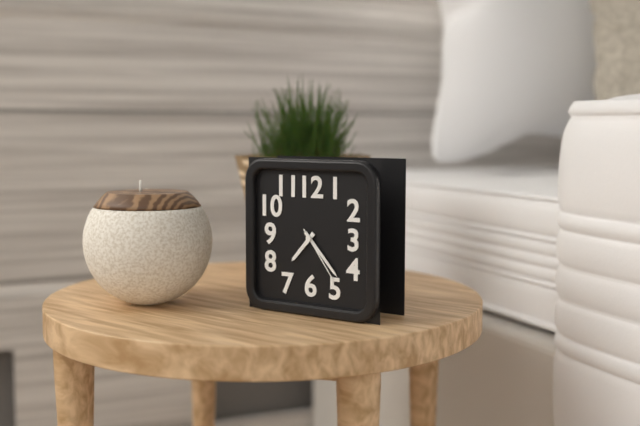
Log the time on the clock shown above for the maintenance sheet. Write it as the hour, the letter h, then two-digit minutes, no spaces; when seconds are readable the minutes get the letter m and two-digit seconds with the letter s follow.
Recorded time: 7h23m24s
